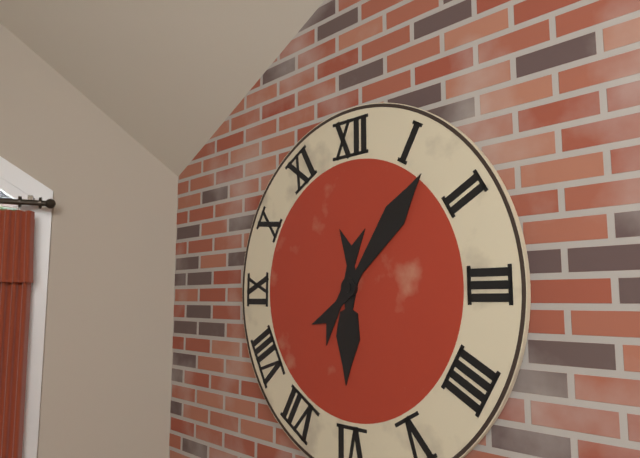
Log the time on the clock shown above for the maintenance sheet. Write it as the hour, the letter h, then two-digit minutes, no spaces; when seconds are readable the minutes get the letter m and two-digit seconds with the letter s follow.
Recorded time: 6h07
